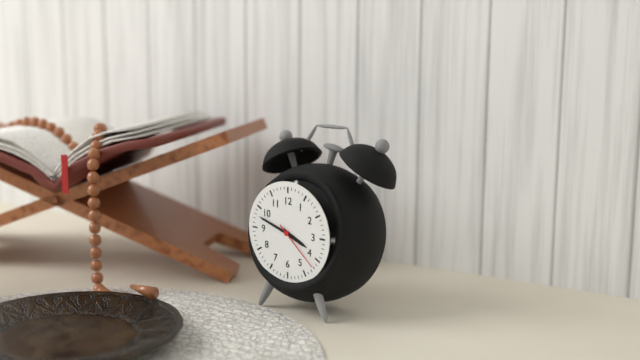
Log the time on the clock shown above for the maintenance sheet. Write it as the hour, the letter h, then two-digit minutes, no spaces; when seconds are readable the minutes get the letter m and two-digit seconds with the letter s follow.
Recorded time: 3h48m22s
